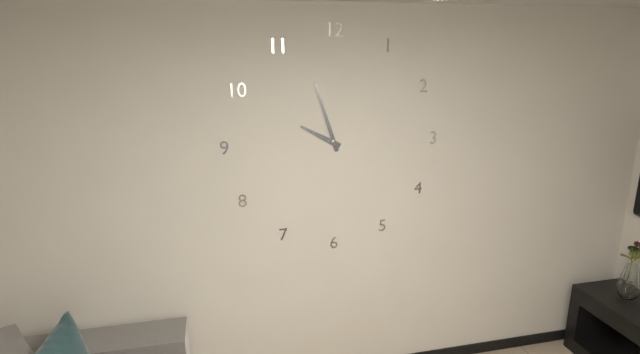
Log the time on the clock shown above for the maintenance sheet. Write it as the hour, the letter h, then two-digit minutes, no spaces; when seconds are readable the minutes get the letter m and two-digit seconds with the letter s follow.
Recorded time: 9h57
